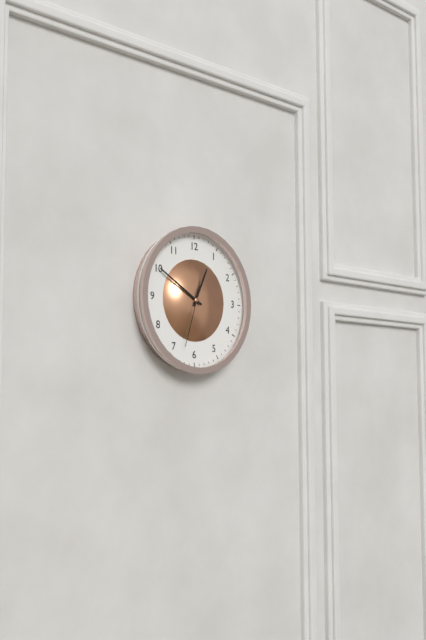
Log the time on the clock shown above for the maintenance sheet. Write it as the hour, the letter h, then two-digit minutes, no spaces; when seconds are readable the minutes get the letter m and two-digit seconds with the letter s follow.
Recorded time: 12h50m33s
